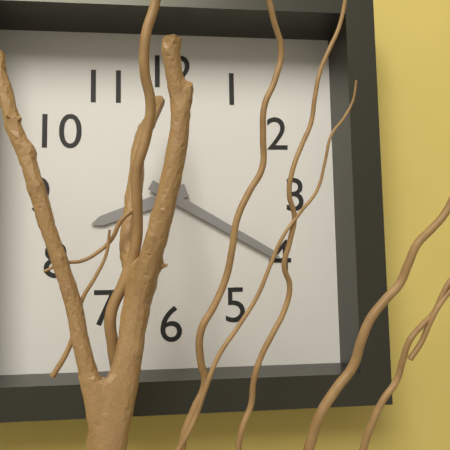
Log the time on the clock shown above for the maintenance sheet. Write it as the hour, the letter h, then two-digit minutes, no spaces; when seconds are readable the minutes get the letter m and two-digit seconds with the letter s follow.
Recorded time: 8h20
